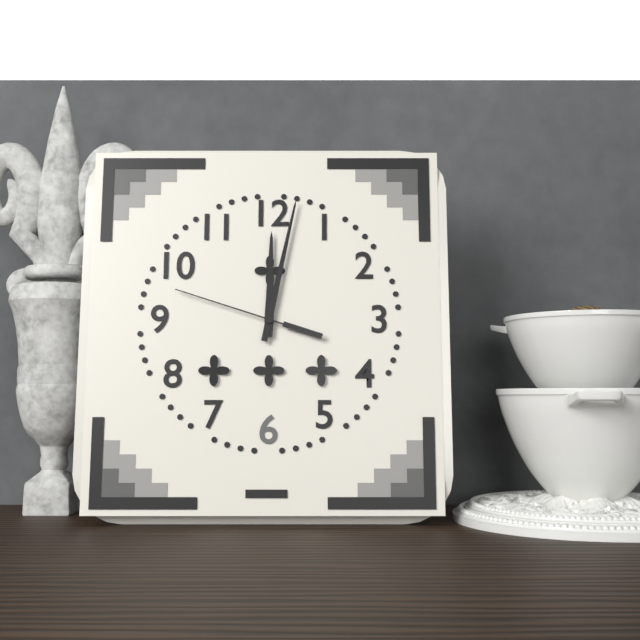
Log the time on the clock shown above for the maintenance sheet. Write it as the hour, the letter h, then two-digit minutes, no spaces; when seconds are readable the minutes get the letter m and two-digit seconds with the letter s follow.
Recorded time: 12h02m48s
